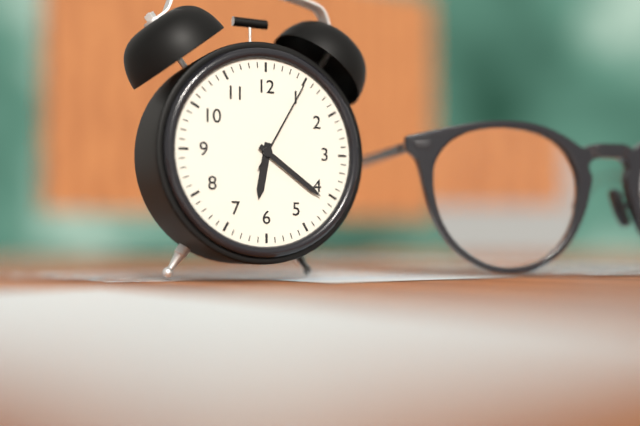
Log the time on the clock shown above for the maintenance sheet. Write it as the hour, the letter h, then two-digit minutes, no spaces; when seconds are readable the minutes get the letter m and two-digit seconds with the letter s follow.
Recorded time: 6h21m05s
